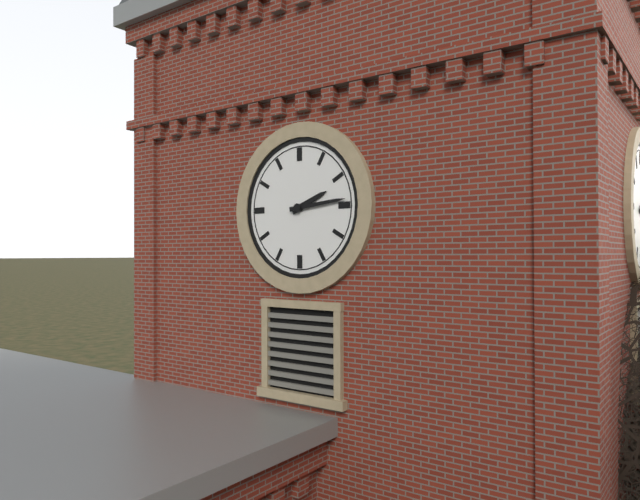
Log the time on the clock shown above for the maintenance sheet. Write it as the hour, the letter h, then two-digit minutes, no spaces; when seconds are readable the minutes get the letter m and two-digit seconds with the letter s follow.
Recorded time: 2h14
